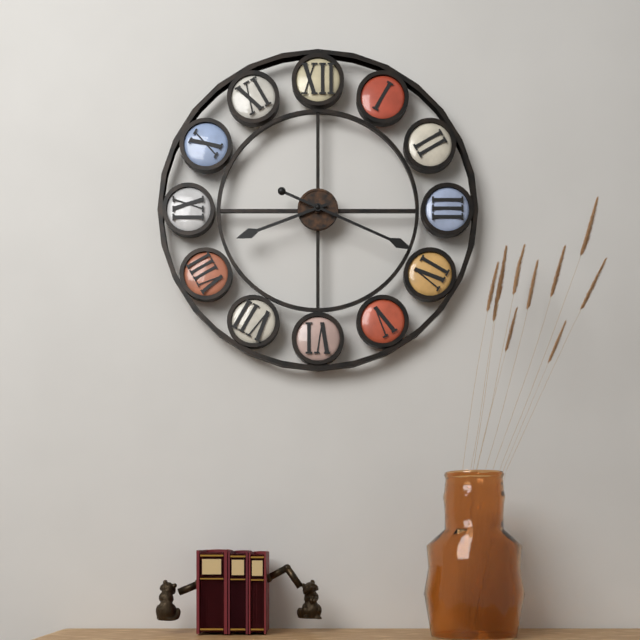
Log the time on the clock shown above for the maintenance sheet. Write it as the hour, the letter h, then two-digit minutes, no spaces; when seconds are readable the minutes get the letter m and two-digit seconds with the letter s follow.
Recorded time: 8h19
